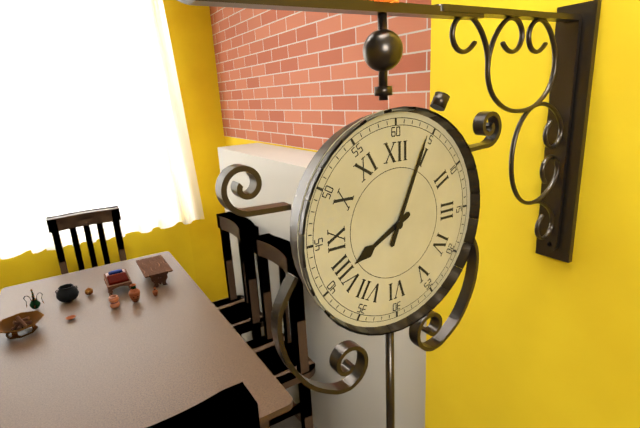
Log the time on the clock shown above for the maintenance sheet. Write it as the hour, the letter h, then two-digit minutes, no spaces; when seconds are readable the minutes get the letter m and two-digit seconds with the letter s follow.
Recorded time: 8h04
